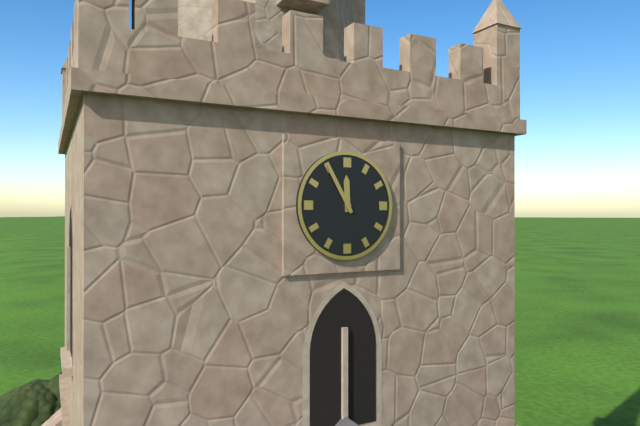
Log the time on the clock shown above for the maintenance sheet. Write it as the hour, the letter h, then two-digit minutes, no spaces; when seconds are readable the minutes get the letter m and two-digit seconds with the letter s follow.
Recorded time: 11h55
